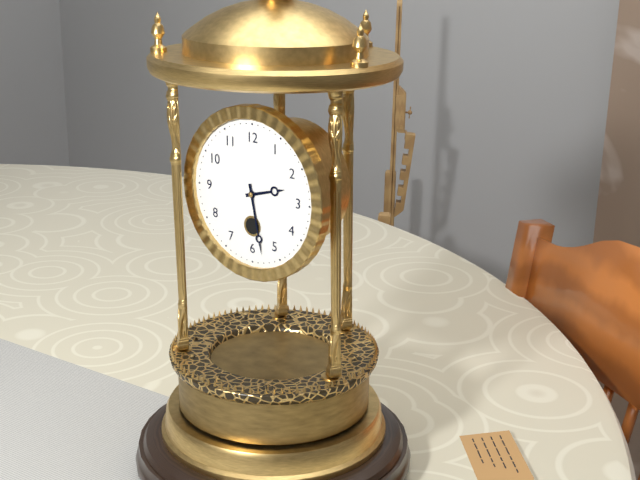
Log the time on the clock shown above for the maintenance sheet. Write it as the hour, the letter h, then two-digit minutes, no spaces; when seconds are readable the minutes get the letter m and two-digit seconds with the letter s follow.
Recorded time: 2h28
